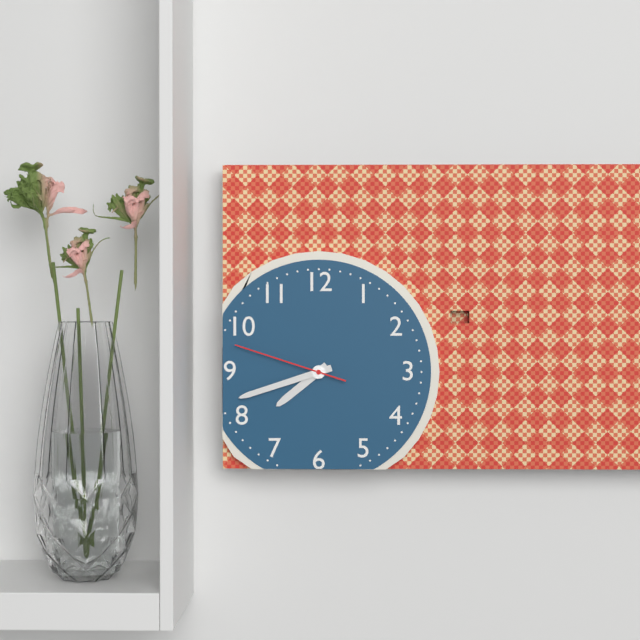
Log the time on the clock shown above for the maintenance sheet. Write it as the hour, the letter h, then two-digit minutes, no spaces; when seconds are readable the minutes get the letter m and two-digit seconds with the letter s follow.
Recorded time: 7h42m48s
